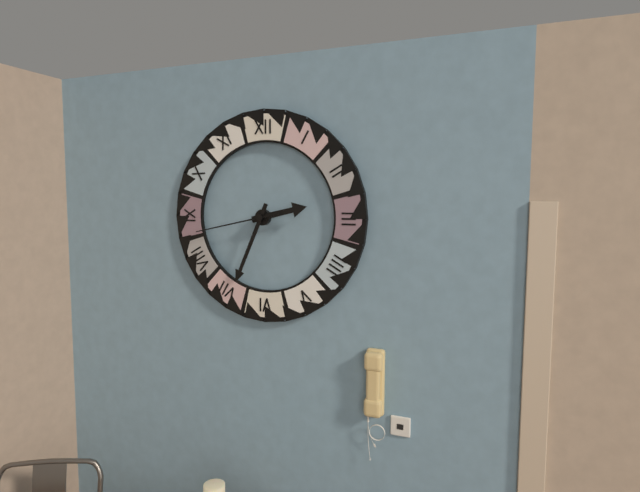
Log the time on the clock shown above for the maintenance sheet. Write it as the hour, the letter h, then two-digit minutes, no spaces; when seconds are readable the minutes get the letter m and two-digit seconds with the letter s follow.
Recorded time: 2h34m43s
